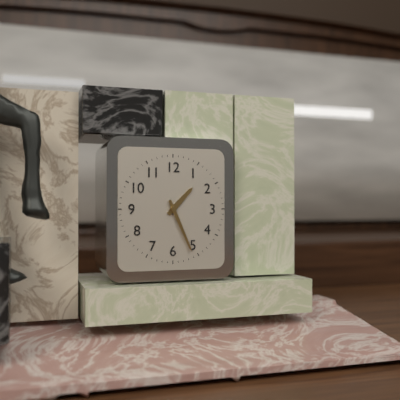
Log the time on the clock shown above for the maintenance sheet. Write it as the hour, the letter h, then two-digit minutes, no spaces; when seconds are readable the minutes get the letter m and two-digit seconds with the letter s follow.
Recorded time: 1h26
